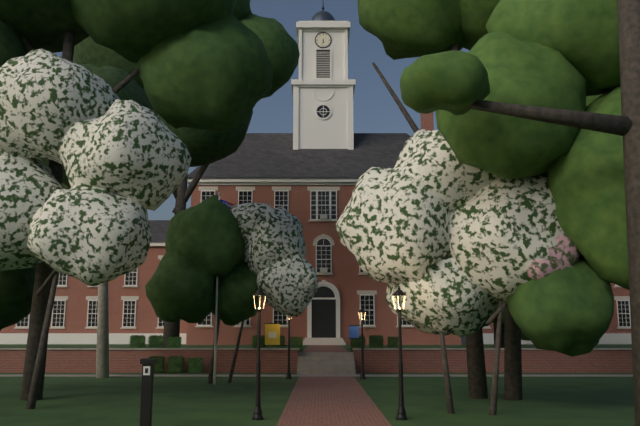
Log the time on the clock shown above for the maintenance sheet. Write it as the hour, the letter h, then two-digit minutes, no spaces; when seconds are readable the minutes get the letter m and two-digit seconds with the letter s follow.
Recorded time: 5h32
